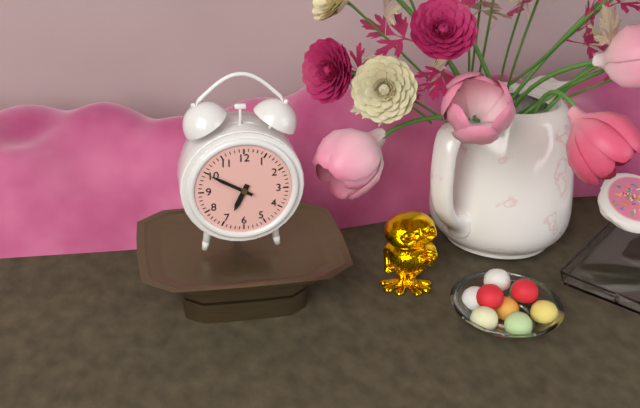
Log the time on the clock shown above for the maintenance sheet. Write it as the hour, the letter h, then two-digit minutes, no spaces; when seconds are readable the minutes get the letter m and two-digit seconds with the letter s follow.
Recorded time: 6h50
